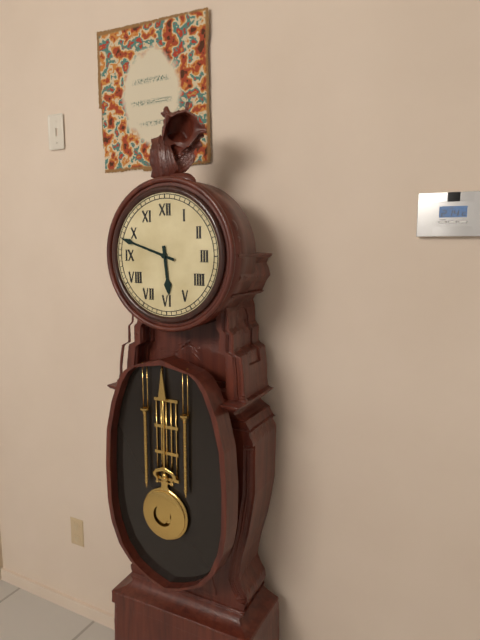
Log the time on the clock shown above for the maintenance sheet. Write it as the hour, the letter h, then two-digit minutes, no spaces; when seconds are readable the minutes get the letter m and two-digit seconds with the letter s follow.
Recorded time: 5h48
